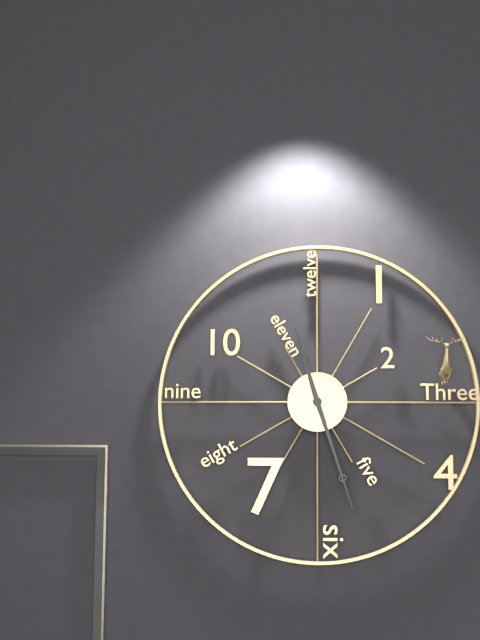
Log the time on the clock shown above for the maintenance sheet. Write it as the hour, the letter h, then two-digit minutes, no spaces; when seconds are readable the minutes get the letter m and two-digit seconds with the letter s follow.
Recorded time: 11h27
